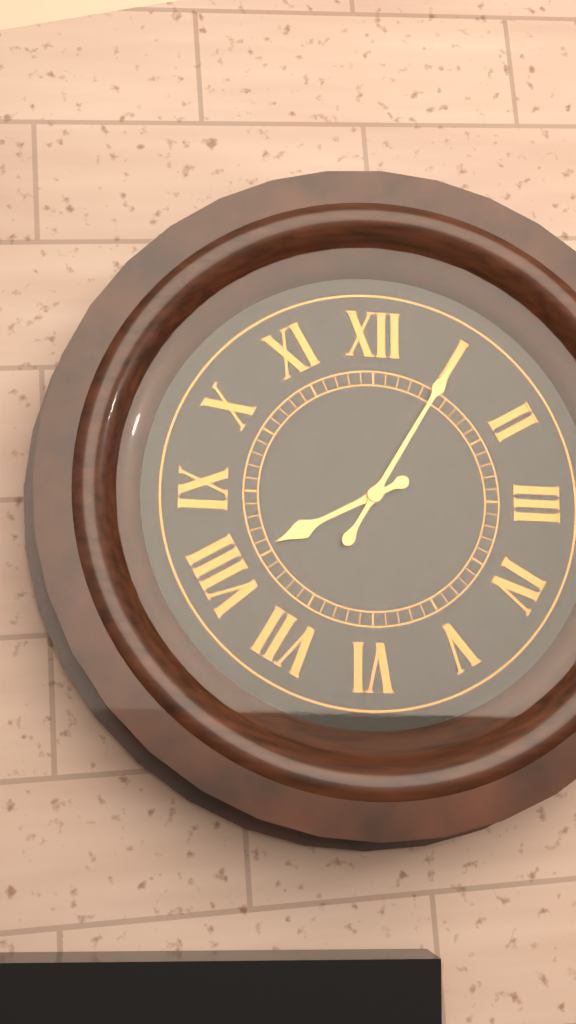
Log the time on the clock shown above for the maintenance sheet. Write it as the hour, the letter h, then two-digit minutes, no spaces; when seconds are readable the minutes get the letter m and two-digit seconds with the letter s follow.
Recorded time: 8h05
